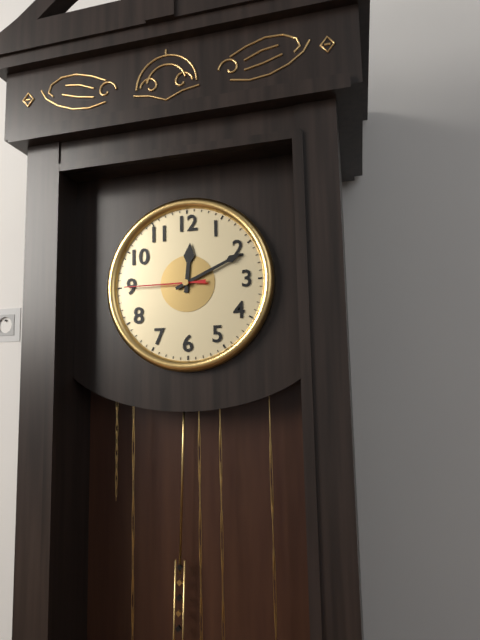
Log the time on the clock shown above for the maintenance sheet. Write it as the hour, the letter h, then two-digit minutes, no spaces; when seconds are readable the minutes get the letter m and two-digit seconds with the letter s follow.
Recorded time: 12h11m45s
